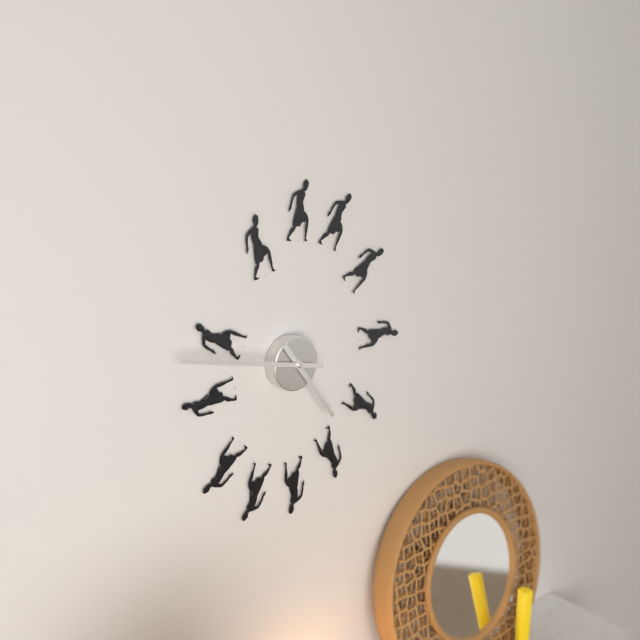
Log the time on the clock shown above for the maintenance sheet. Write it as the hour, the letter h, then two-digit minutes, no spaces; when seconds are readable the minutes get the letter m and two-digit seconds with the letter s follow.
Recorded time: 4h47
